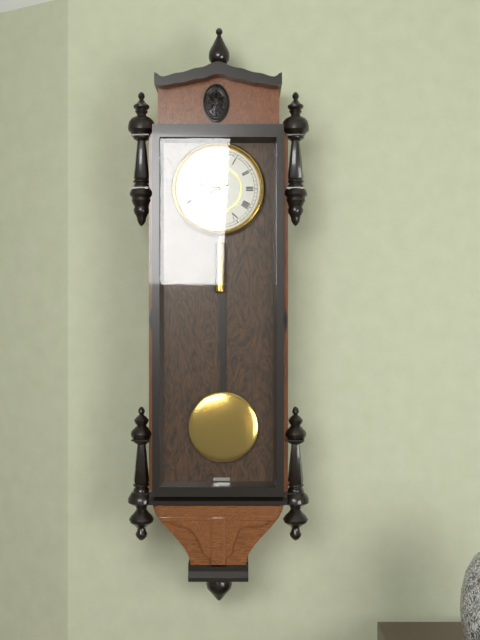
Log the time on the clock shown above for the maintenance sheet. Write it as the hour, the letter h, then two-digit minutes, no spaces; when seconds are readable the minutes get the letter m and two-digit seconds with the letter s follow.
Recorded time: 9h41
